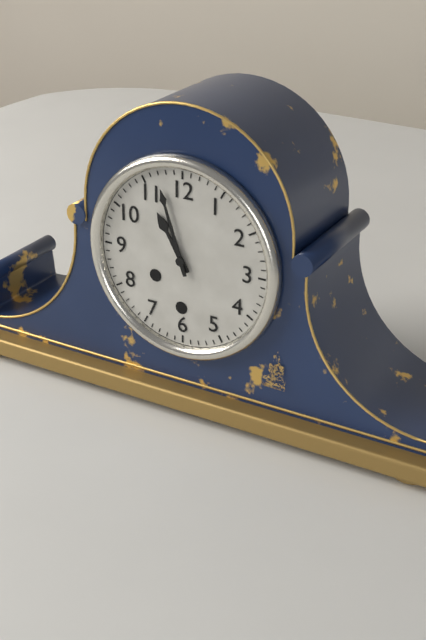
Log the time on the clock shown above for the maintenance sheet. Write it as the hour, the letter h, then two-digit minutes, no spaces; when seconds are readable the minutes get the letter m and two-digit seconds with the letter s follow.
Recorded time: 10h57
